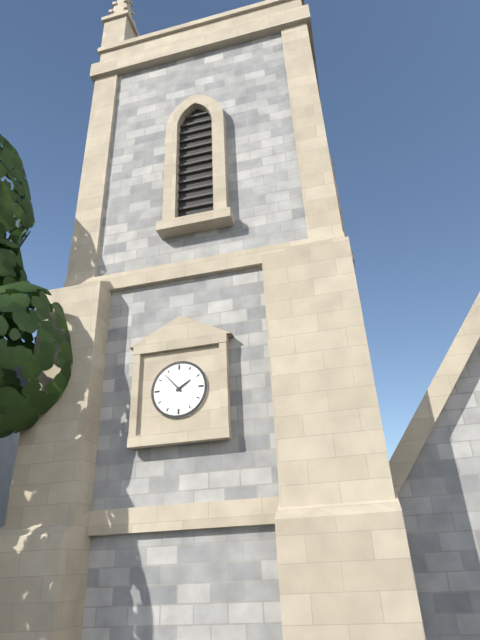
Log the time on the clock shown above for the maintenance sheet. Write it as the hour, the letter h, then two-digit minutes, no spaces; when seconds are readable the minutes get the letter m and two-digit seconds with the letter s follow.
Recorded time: 1h53
